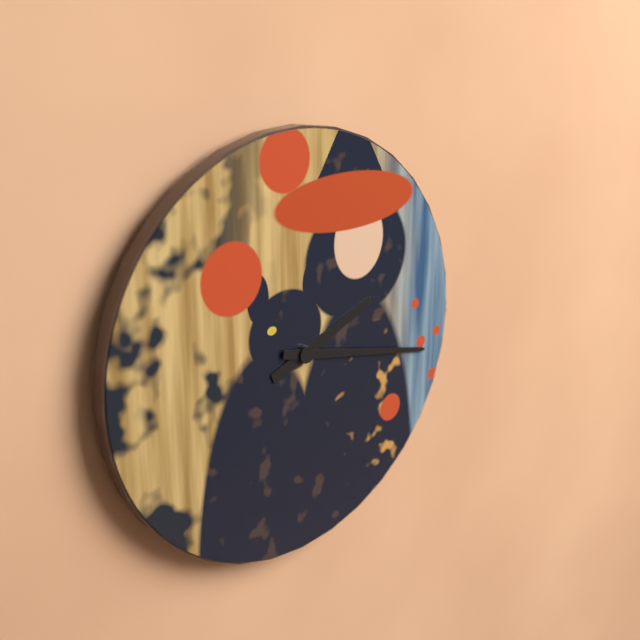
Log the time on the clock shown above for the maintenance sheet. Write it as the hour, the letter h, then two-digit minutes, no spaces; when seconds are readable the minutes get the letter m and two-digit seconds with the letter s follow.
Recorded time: 2h17
